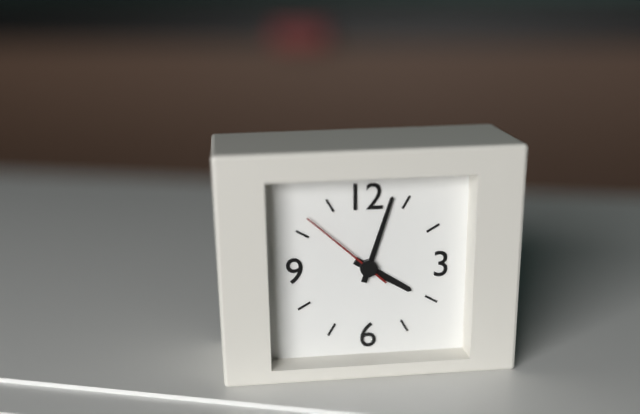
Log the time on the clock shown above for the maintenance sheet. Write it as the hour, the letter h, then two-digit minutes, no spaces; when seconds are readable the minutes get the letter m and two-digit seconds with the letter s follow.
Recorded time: 4h03m52s
